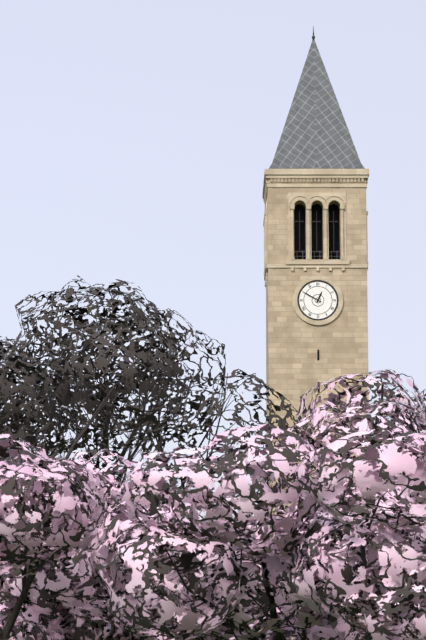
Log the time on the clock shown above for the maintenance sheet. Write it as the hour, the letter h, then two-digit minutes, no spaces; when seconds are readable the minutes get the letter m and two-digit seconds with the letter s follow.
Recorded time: 12h50
